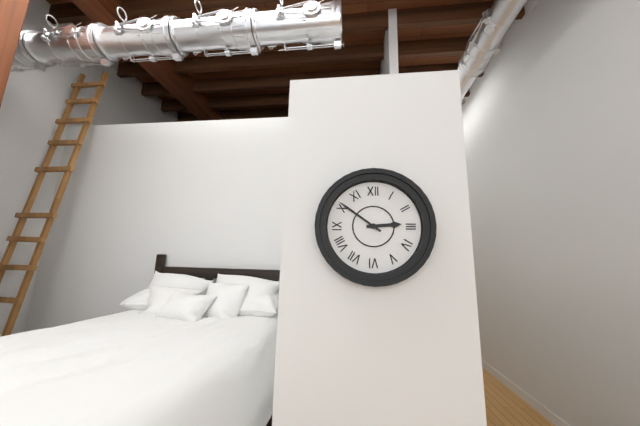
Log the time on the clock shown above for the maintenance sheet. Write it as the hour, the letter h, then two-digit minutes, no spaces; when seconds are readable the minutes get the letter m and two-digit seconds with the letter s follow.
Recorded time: 2h51
